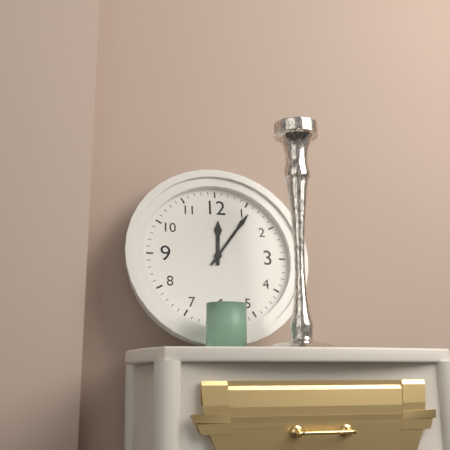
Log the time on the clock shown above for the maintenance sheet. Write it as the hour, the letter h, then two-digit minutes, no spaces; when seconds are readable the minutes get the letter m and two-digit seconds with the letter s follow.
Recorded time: 12h06
